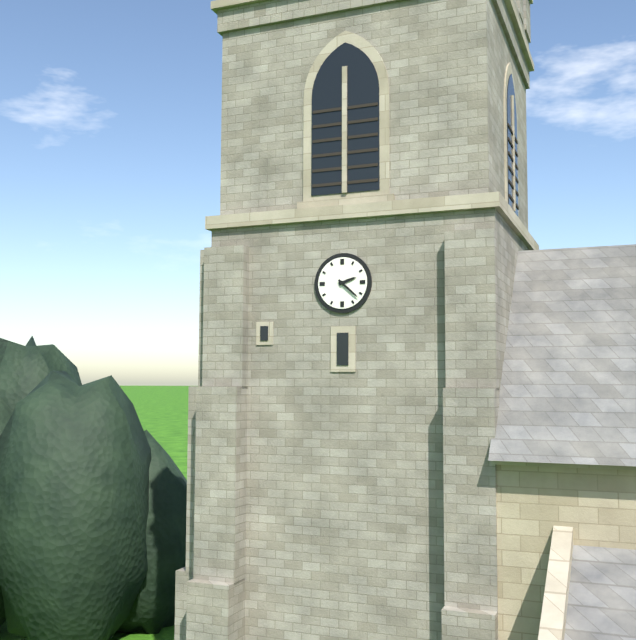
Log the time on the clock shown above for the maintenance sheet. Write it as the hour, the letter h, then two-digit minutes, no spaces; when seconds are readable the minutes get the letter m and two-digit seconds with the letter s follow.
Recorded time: 2h22
